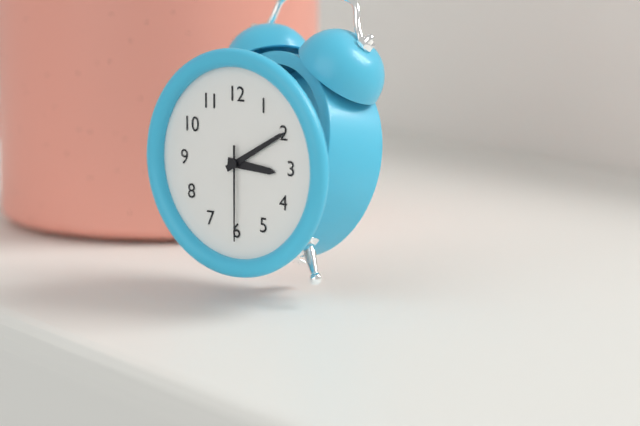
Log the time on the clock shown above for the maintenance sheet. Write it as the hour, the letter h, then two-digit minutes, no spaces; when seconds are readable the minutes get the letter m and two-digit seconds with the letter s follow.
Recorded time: 3h10m30s
